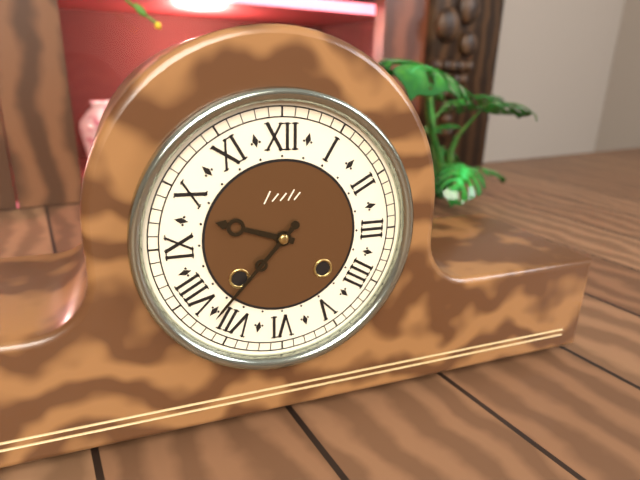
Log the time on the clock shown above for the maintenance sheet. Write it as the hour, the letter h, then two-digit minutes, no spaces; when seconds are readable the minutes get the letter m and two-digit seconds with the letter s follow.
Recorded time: 9h37
